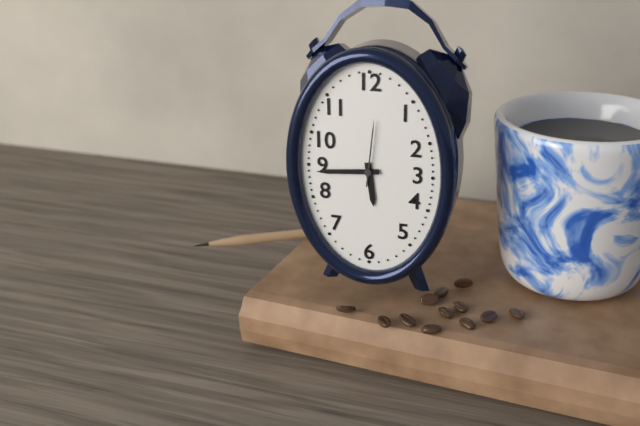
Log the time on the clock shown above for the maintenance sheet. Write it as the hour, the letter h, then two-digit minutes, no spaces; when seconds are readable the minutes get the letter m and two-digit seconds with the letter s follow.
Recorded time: 5h44m01s
